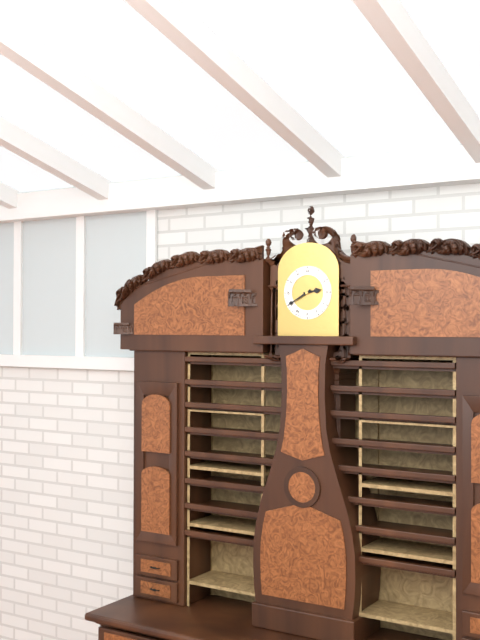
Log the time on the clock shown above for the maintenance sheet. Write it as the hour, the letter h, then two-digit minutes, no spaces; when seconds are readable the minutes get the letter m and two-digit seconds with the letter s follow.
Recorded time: 2h40
